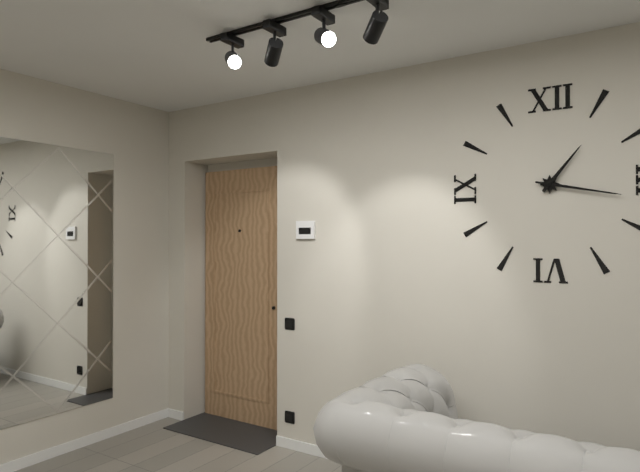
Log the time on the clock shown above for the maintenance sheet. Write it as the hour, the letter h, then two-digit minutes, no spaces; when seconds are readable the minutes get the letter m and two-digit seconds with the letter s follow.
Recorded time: 1h17
